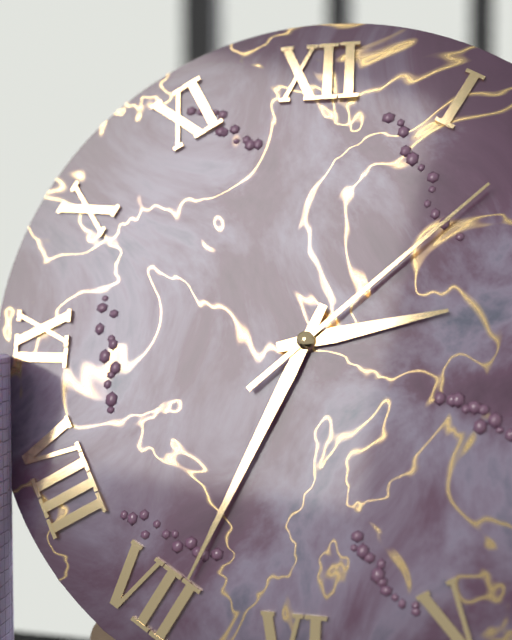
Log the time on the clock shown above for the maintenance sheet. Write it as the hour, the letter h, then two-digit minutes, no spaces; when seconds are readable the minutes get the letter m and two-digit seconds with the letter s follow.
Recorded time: 2h34m08s
